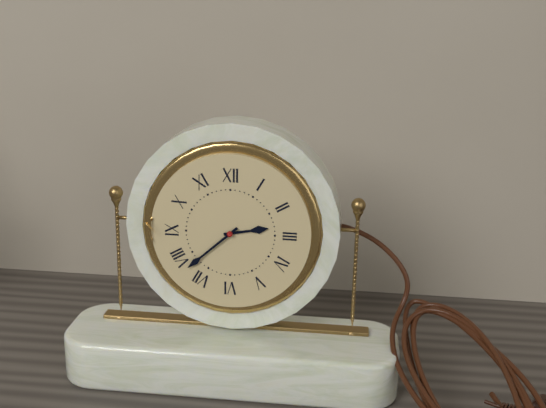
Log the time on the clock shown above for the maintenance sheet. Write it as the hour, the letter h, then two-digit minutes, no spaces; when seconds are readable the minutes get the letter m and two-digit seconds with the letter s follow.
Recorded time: 2h38
